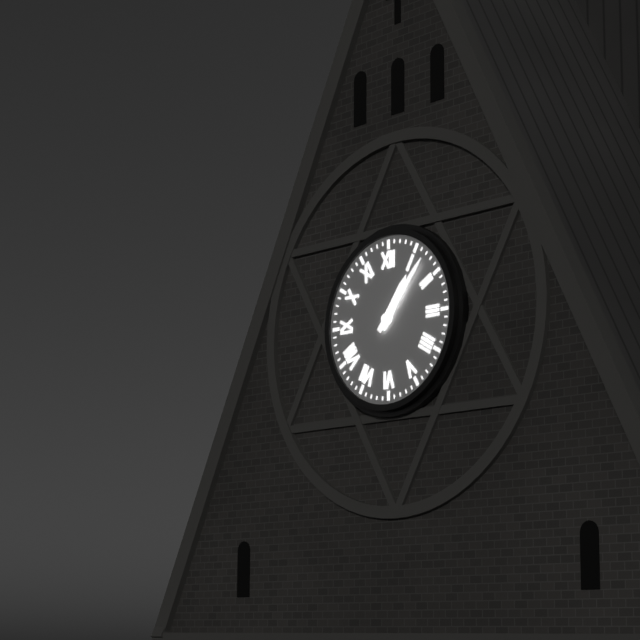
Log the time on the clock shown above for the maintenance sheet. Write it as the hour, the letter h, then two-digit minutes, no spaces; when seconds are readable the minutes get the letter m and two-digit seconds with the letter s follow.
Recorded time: 1h07
